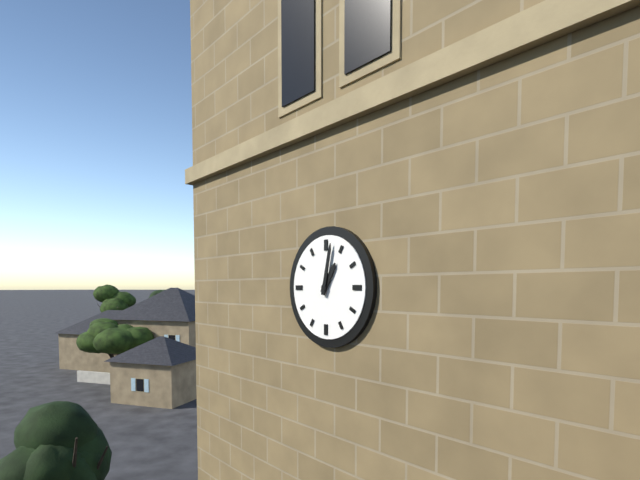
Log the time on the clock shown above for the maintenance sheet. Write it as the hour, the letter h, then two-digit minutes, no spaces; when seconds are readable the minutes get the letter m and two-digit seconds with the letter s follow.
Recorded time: 1h02
